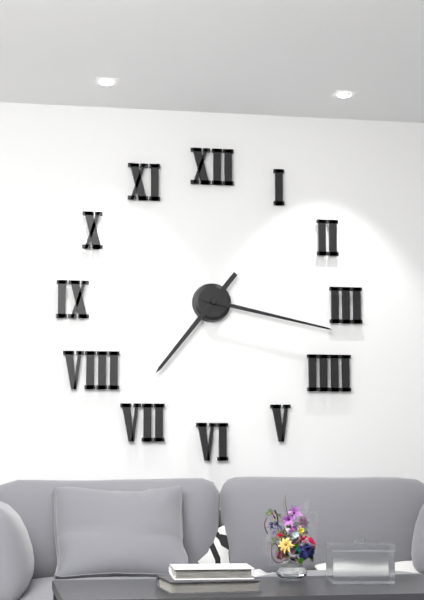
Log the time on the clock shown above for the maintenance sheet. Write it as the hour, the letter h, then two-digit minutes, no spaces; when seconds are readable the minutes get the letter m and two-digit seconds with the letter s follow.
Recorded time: 7h17
